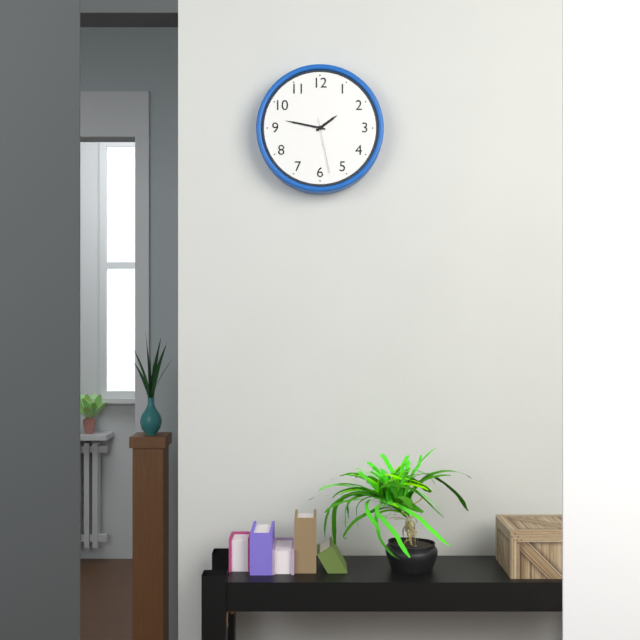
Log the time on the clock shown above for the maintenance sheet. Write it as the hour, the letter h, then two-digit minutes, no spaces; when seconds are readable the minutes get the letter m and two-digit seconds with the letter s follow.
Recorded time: 1h47m28s
